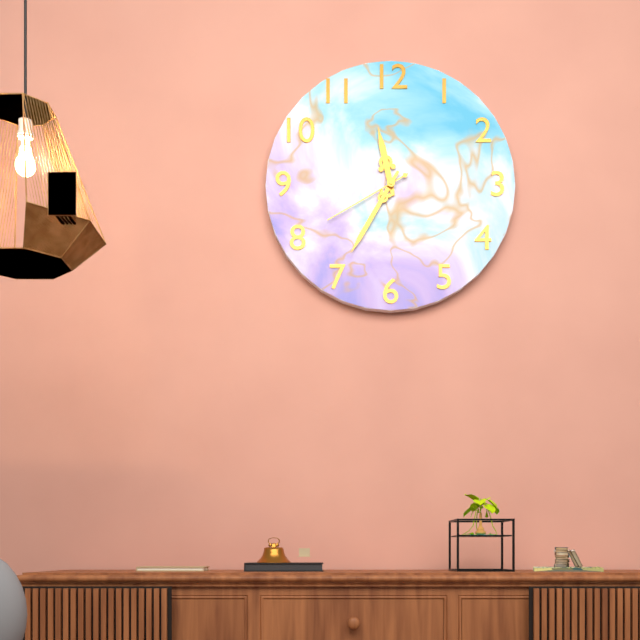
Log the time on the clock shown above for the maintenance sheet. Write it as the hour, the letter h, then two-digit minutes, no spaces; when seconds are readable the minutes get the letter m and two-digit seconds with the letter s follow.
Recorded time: 11h35m40s
